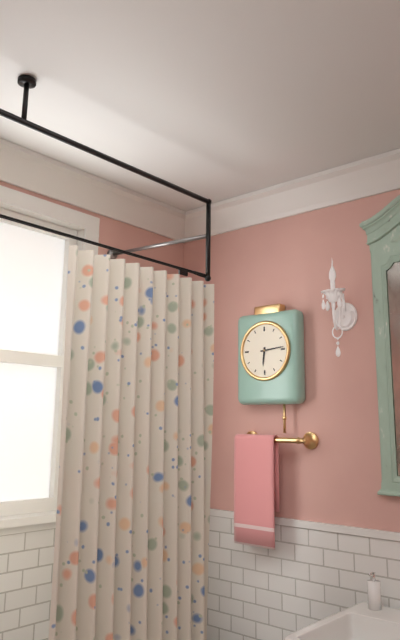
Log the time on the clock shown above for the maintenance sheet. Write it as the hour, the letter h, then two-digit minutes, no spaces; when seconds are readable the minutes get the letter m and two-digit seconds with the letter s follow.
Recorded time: 6h14
